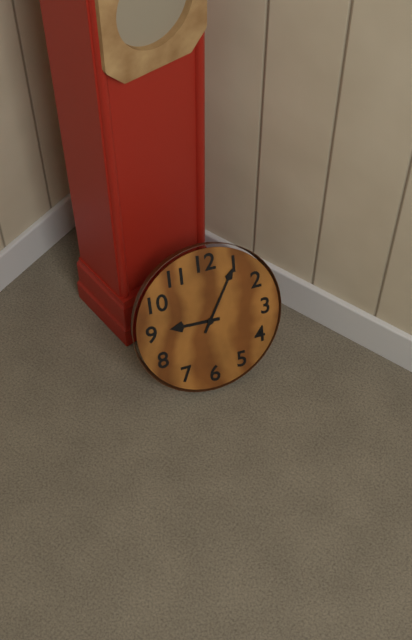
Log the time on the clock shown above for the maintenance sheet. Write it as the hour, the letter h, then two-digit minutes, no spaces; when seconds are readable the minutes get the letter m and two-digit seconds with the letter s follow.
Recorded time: 9h05
